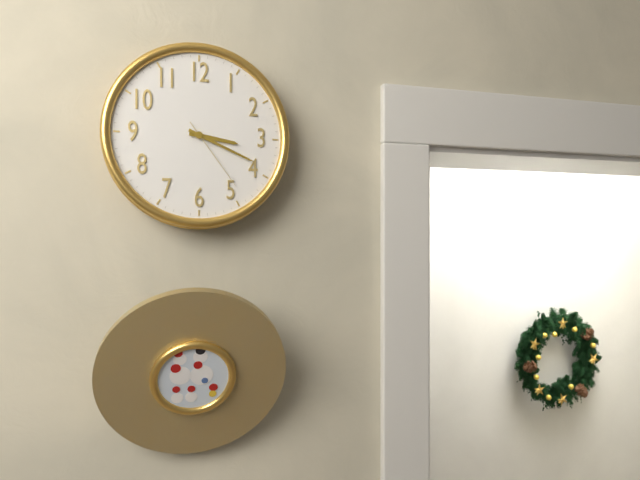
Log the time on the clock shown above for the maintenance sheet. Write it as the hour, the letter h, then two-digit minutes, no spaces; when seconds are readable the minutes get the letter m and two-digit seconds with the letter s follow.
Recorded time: 3h19m24s
